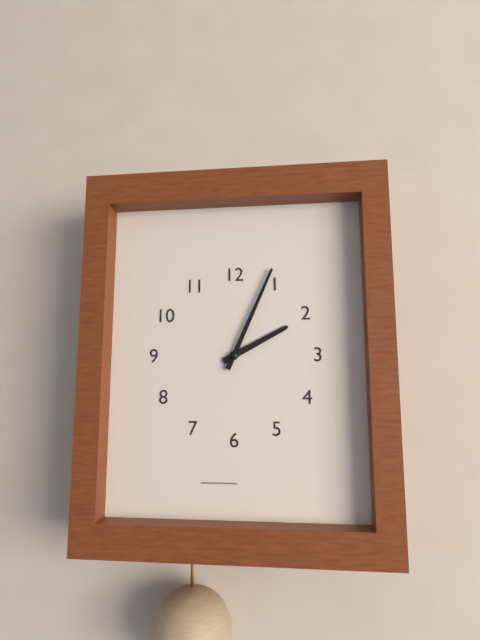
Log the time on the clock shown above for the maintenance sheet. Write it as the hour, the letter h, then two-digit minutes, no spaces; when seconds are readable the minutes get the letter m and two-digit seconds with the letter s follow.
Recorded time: 2h04
